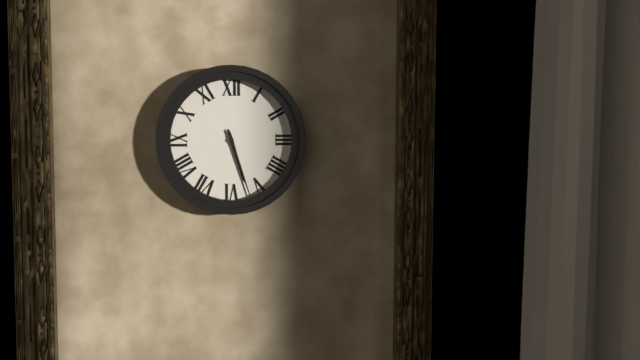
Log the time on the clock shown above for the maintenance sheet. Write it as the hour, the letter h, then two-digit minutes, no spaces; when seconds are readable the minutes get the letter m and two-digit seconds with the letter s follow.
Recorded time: 5h27
